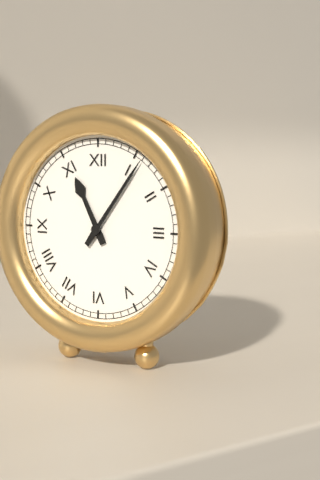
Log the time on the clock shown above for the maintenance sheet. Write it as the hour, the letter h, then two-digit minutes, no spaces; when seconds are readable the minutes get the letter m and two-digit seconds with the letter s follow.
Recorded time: 11h06
